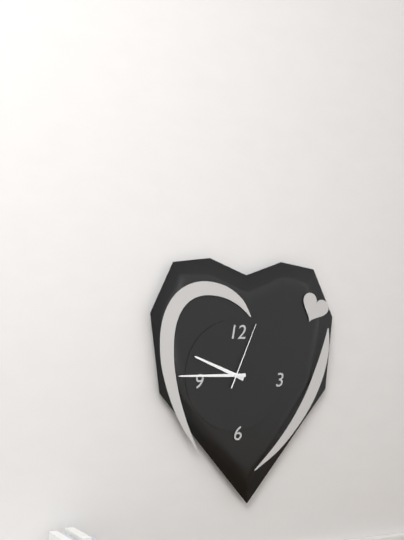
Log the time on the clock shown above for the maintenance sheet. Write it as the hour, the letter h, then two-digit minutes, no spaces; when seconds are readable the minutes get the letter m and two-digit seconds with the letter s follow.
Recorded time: 9h45m04s
